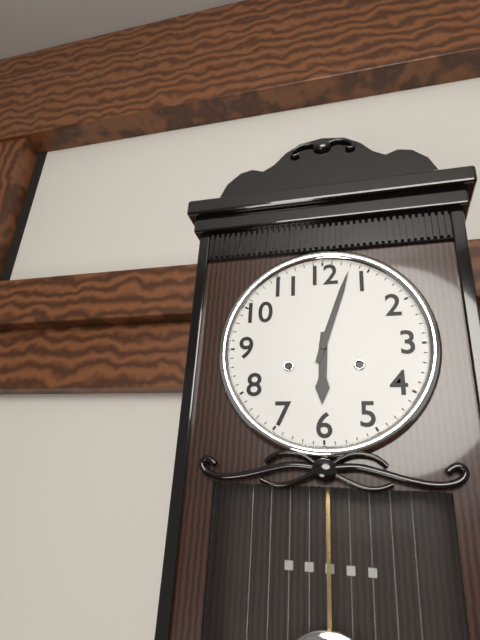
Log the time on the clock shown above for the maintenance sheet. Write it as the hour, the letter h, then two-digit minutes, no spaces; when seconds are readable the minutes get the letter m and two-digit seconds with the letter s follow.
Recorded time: 6h03
